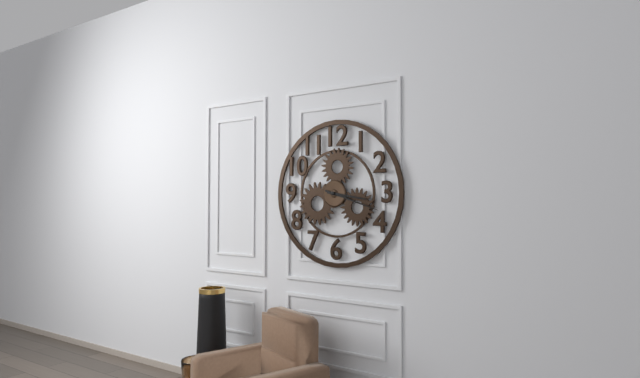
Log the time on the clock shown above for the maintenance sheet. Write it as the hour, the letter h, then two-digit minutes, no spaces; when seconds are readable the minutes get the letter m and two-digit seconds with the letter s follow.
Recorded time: 3h18
